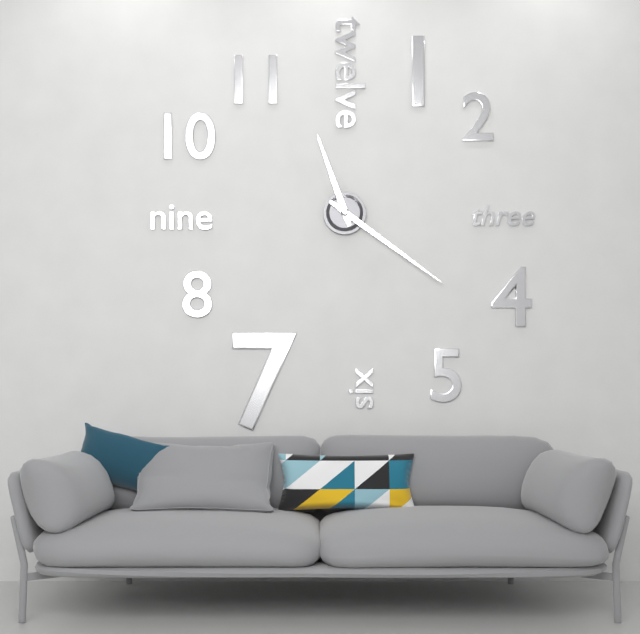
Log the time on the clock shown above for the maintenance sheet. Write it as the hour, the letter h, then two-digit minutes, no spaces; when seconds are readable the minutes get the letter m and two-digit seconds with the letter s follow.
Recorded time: 11h21
